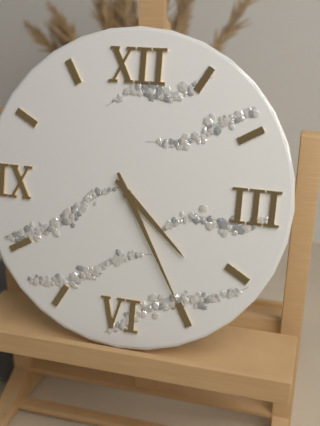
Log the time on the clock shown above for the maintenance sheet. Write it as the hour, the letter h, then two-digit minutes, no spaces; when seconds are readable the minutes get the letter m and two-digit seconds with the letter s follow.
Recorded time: 4h25
